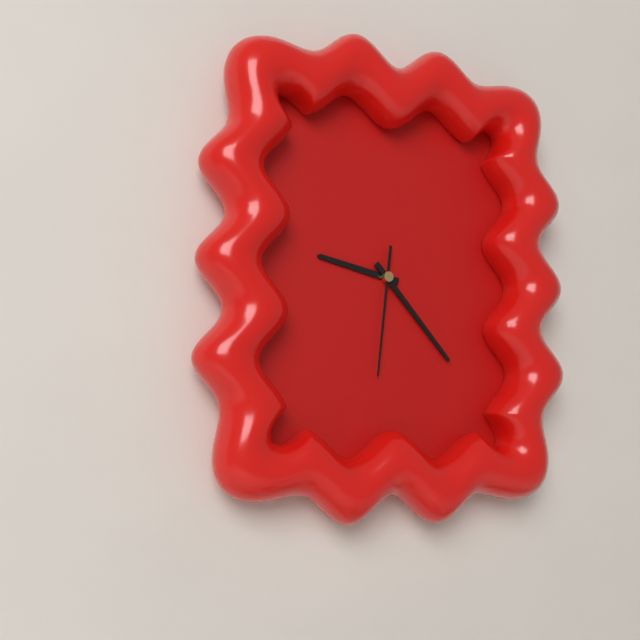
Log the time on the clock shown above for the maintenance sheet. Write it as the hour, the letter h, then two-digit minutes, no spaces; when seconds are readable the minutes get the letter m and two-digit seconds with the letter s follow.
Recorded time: 9h23m31s
